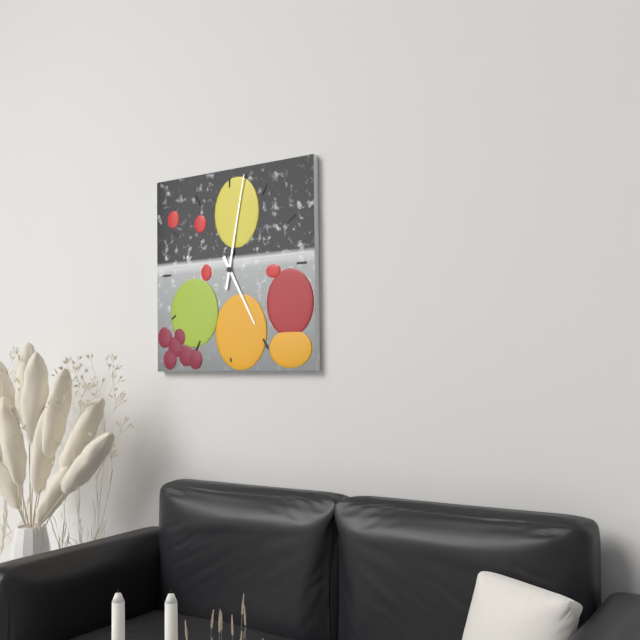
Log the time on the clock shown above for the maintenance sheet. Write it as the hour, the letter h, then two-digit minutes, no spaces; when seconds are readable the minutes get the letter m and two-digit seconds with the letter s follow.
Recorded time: 5h02
